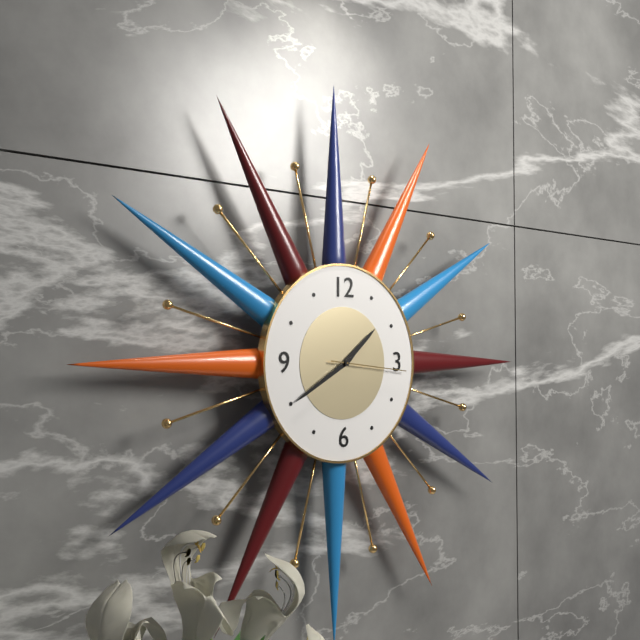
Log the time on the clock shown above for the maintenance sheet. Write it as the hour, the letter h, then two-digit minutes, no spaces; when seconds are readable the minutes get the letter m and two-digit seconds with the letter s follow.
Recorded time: 1h40m16s
